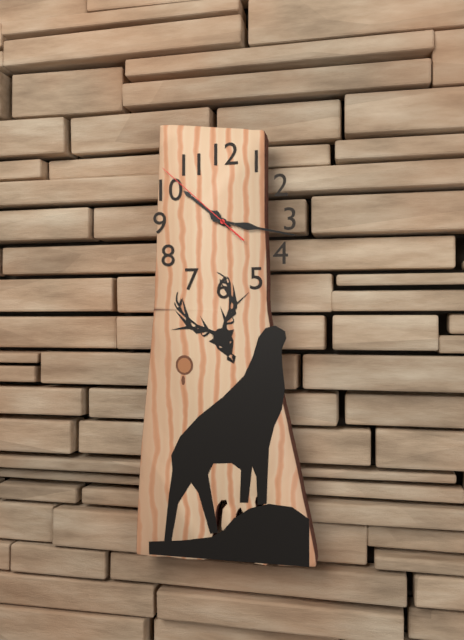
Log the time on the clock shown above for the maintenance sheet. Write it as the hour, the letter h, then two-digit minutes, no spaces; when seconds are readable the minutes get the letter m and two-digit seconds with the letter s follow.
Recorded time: 10h17m52s
